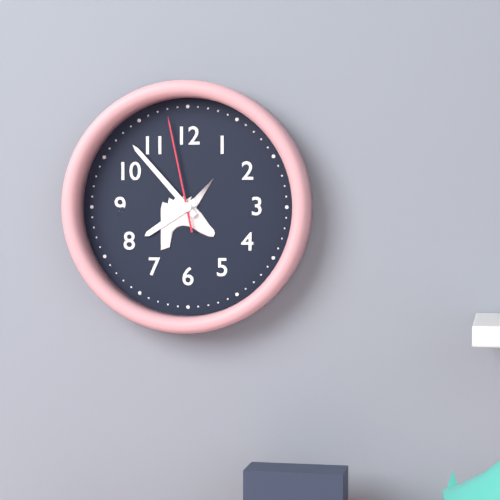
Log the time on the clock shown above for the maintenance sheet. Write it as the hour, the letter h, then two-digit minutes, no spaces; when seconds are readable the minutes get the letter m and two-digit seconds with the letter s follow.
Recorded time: 7h53m58s
